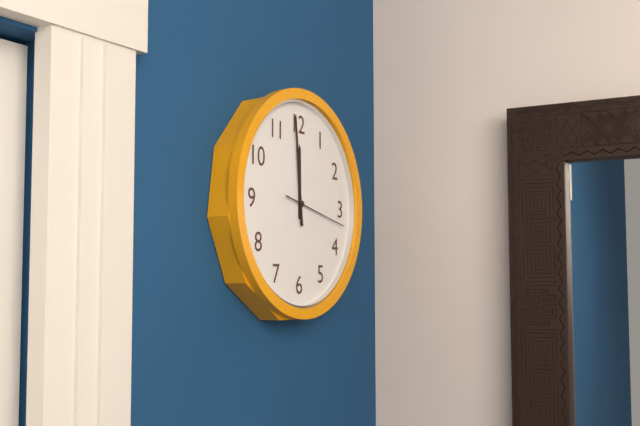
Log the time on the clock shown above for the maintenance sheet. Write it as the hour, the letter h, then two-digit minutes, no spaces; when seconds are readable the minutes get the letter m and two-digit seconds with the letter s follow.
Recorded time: 11h59m17s
